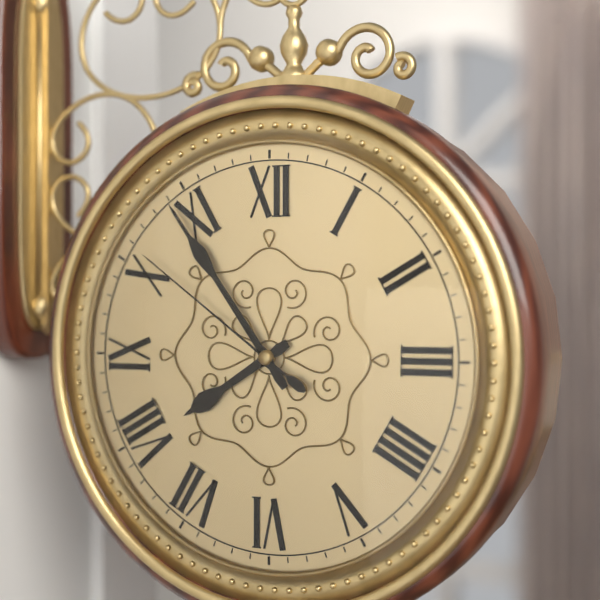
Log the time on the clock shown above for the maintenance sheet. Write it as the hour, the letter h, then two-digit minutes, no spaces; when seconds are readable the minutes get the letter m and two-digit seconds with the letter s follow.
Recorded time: 7h54m51s
